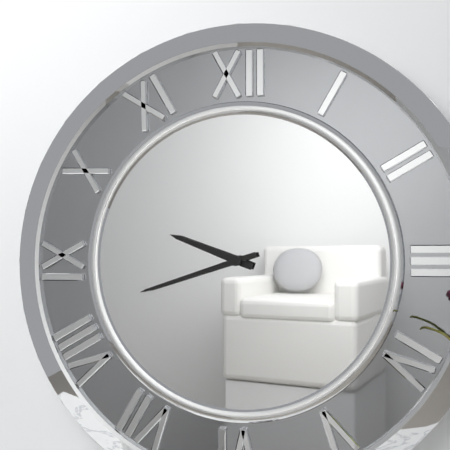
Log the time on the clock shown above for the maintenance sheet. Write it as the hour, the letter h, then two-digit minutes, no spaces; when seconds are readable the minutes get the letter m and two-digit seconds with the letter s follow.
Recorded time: 9h42
